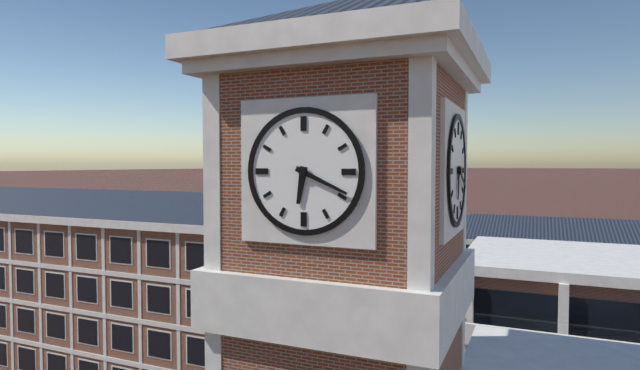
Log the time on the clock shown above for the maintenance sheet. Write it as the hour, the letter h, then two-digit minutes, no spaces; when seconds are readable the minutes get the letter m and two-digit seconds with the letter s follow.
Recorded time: 6h19
